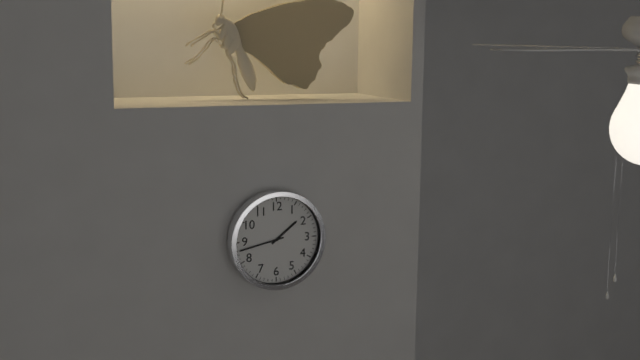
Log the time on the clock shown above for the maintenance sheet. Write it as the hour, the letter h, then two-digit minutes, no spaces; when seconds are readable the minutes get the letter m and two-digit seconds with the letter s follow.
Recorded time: 1h43
